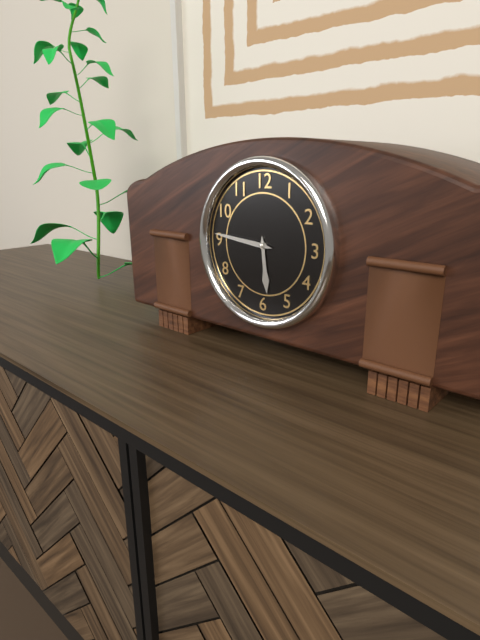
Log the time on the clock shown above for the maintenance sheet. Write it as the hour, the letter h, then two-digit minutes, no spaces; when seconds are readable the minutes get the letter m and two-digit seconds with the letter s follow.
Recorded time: 5h46
